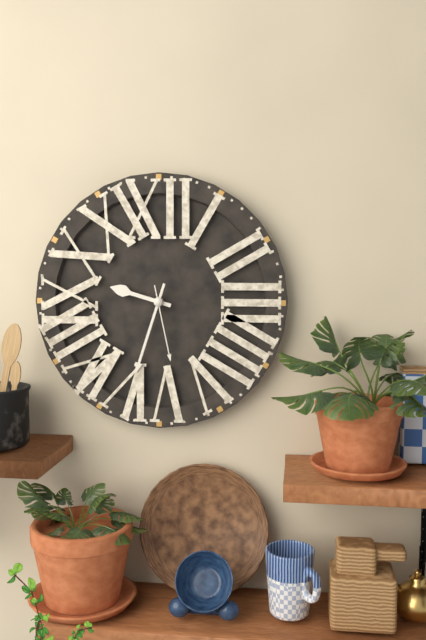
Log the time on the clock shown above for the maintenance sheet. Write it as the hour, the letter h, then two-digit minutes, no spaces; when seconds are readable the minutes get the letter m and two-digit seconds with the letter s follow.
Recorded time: 9h33m28s
